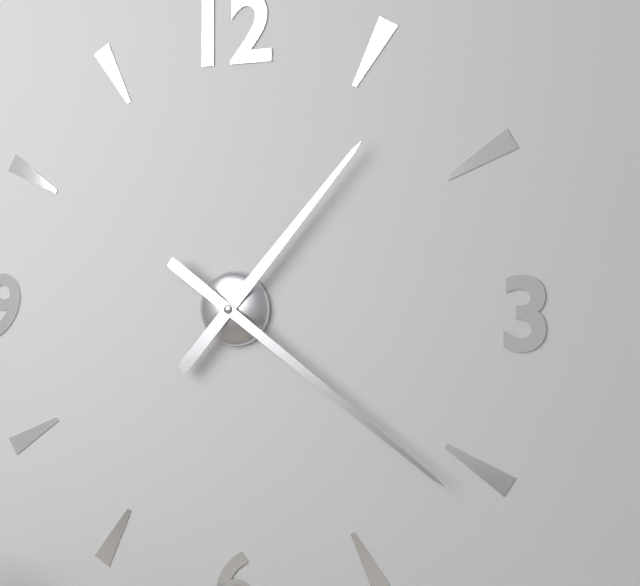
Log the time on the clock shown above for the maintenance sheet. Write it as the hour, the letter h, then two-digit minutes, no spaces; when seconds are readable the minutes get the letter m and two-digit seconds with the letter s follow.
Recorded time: 1h21
